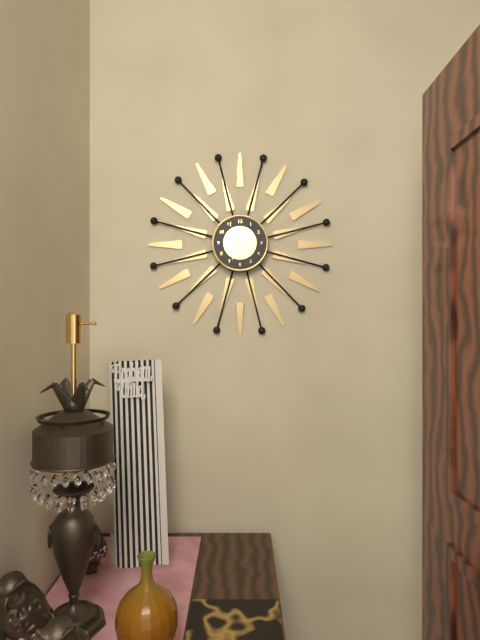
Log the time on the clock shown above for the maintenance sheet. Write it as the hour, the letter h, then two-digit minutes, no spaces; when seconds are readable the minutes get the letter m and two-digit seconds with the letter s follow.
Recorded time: 4h34
